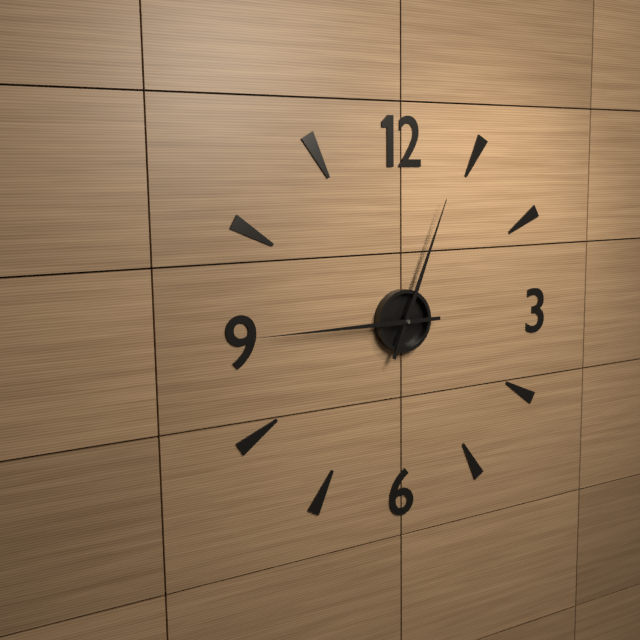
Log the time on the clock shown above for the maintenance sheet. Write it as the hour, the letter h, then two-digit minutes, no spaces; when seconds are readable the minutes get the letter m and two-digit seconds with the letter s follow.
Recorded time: 12h45
